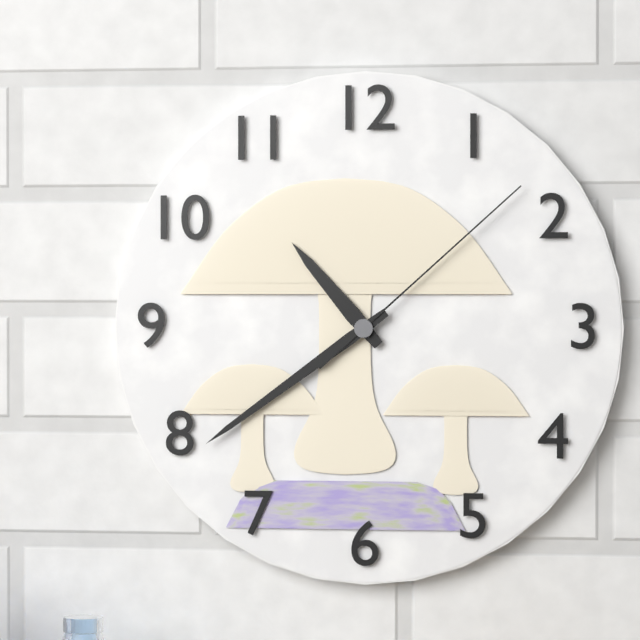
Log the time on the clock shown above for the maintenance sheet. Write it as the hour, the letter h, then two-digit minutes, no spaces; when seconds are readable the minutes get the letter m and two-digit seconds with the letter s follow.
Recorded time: 10h39m08s
